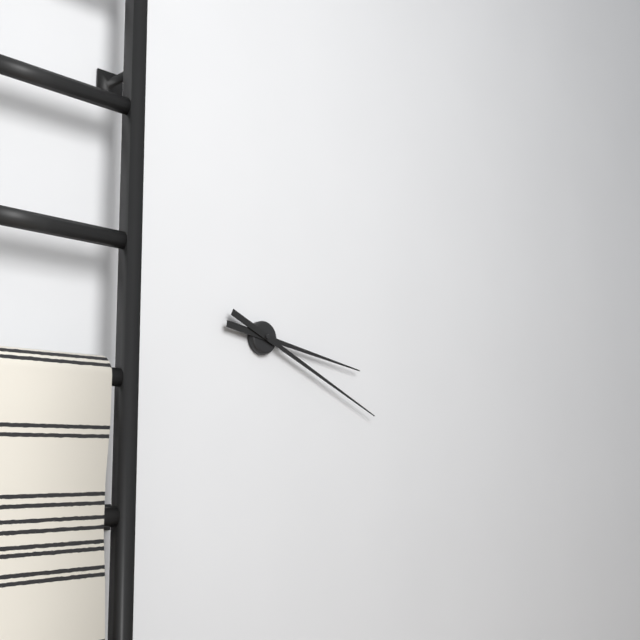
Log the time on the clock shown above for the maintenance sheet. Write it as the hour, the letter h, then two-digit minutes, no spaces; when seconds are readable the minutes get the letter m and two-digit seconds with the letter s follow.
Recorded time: 3h19
